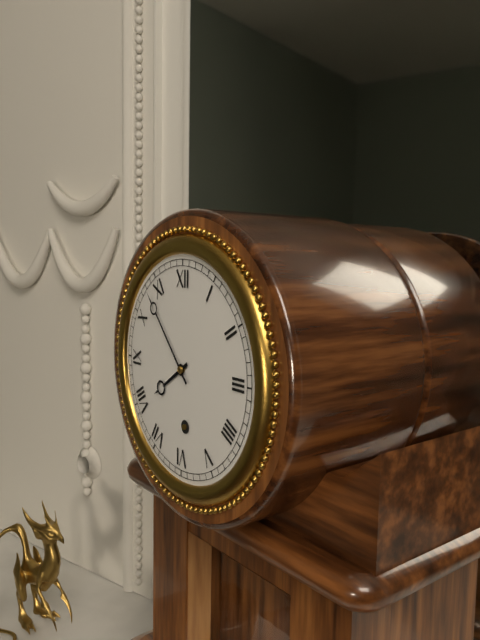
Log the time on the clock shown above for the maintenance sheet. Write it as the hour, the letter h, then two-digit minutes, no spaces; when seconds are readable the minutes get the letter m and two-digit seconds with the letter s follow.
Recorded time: 7h53
